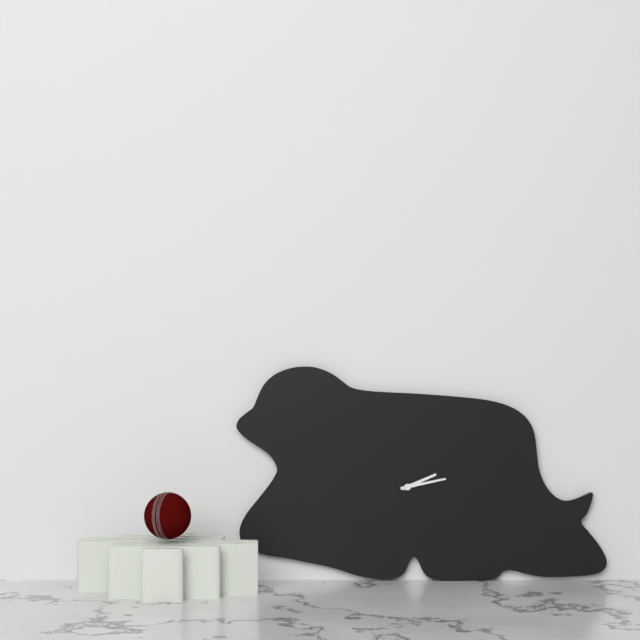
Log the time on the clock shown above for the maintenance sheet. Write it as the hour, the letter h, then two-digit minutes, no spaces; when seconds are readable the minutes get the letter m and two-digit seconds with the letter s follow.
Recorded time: 2h13
